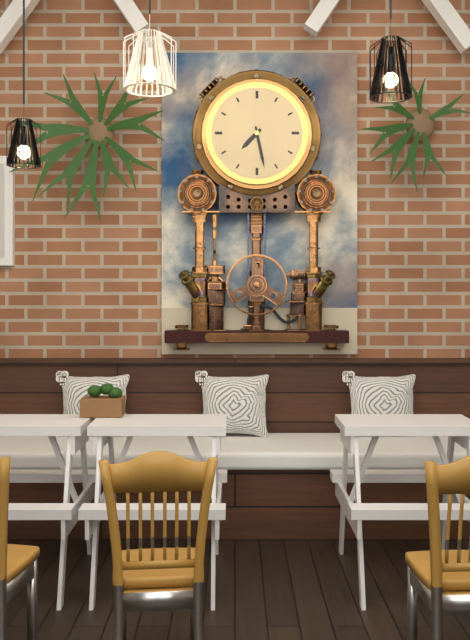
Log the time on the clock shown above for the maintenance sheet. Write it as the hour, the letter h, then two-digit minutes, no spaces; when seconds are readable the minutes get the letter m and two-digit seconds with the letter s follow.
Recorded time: 7h28
